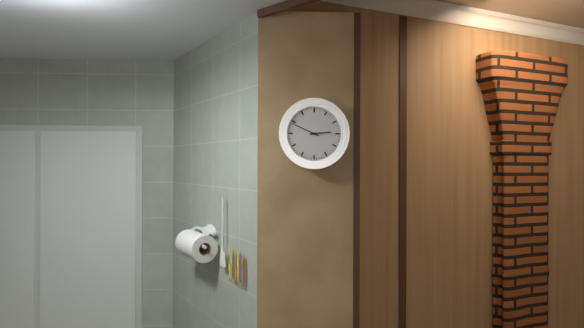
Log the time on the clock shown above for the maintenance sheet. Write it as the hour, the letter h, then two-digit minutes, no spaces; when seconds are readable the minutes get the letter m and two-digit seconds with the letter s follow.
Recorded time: 2h49
